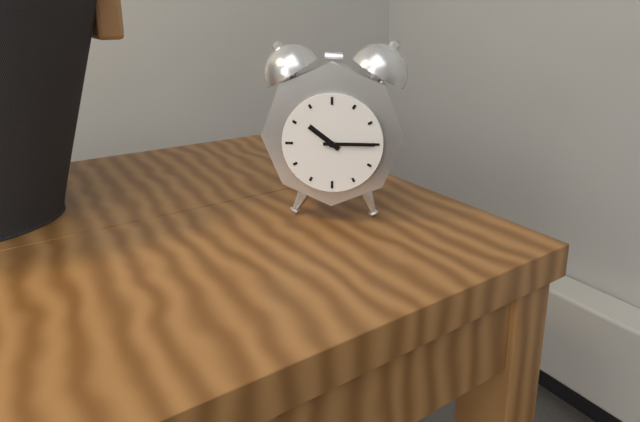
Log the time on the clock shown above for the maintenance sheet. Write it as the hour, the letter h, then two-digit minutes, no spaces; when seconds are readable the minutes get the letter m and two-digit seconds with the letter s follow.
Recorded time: 10h15
